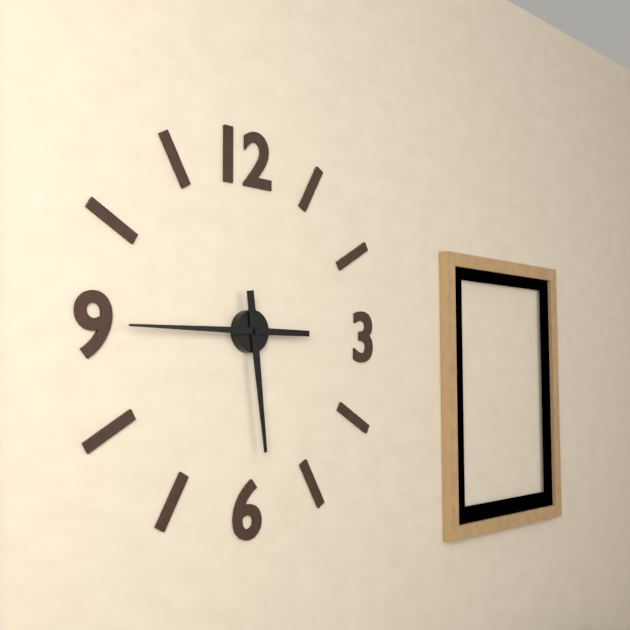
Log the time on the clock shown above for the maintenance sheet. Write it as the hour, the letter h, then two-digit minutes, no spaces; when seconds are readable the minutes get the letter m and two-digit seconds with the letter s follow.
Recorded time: 5h45
